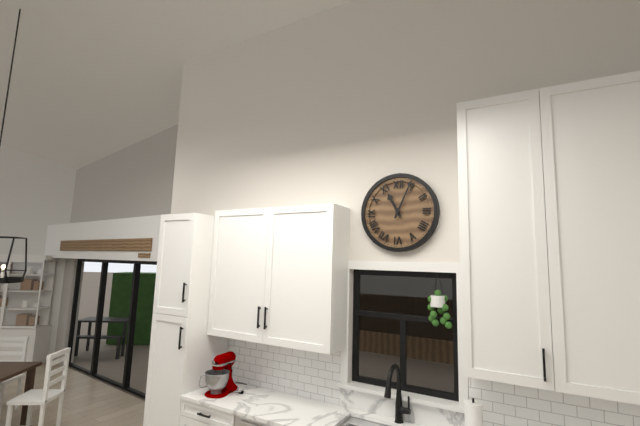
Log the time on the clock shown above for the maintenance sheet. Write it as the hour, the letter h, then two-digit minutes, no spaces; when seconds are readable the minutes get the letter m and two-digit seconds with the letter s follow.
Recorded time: 11h04
